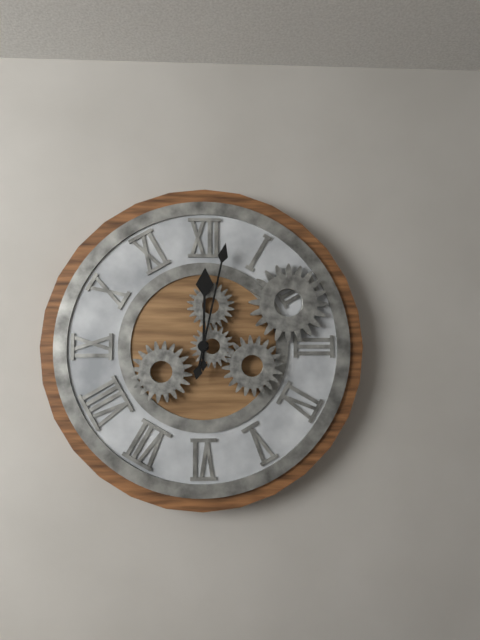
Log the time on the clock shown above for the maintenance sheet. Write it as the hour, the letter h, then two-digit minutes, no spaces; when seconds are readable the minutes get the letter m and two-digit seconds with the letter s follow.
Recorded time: 12h02
